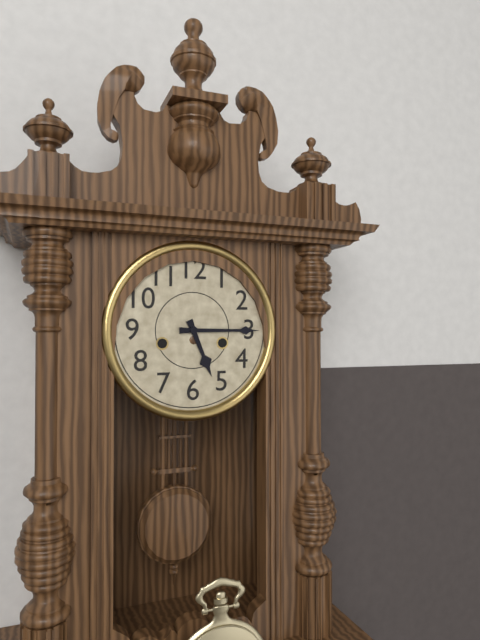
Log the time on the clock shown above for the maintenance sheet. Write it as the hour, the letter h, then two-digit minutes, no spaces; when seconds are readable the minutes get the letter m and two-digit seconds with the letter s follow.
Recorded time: 5h15
